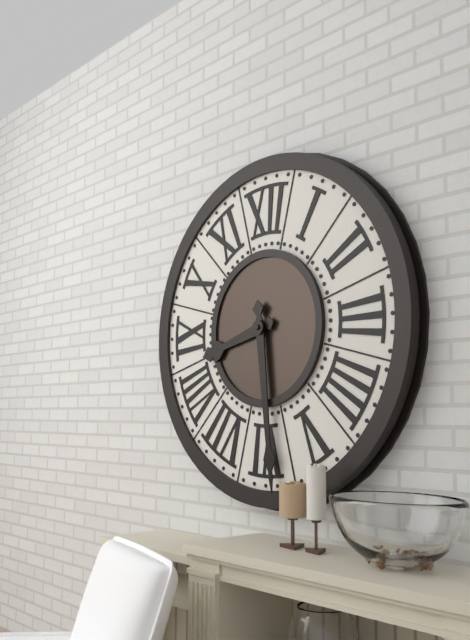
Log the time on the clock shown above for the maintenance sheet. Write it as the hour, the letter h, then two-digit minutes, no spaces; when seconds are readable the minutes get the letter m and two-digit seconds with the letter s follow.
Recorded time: 8h29
